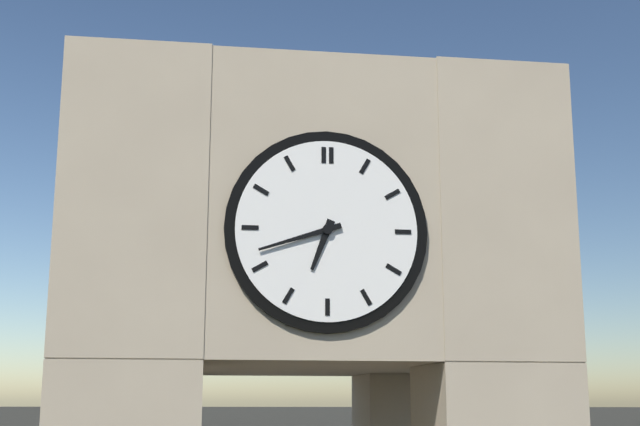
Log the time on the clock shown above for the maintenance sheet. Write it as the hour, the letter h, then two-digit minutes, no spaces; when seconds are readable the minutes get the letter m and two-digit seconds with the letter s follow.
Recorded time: 6h42
